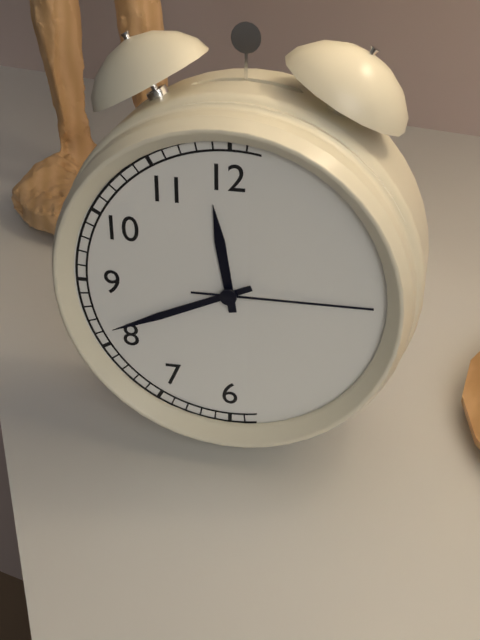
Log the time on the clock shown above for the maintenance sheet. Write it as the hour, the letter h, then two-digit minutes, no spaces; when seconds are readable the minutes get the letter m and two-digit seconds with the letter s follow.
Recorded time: 11h41m15s
